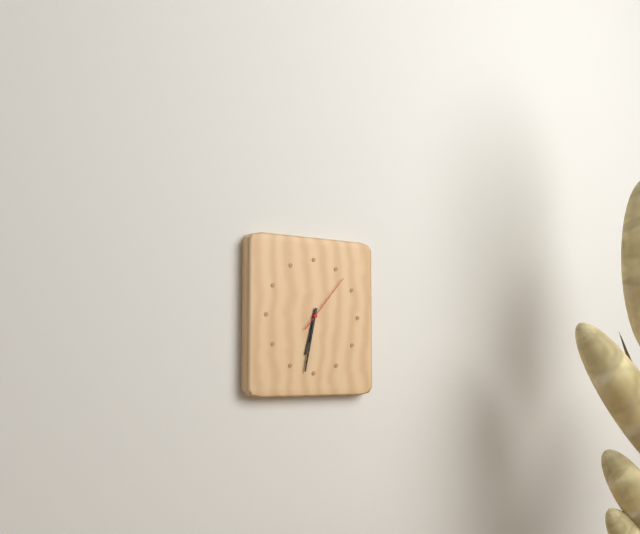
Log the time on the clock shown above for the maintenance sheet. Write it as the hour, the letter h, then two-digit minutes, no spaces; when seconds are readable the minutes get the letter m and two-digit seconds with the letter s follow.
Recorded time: 6h32m07s
